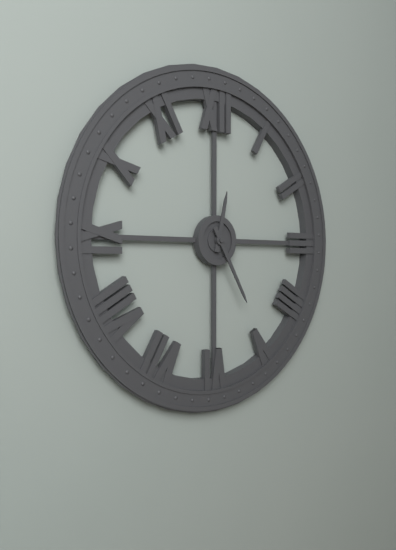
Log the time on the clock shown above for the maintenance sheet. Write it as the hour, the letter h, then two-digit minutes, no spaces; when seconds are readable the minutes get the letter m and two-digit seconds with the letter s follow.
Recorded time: 12h25
